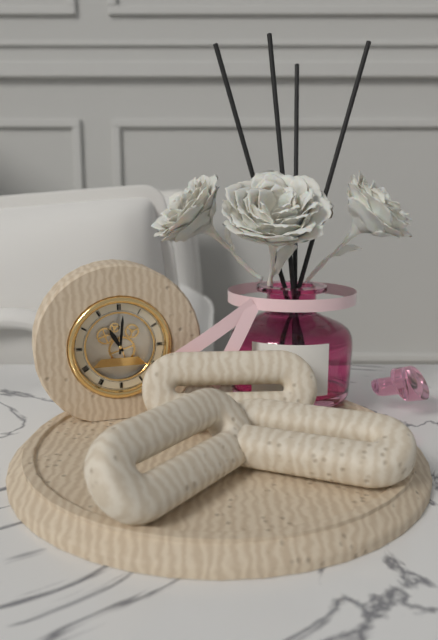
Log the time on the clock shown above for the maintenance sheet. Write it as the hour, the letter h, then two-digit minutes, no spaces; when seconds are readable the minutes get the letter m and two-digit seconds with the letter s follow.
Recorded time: 11h01
